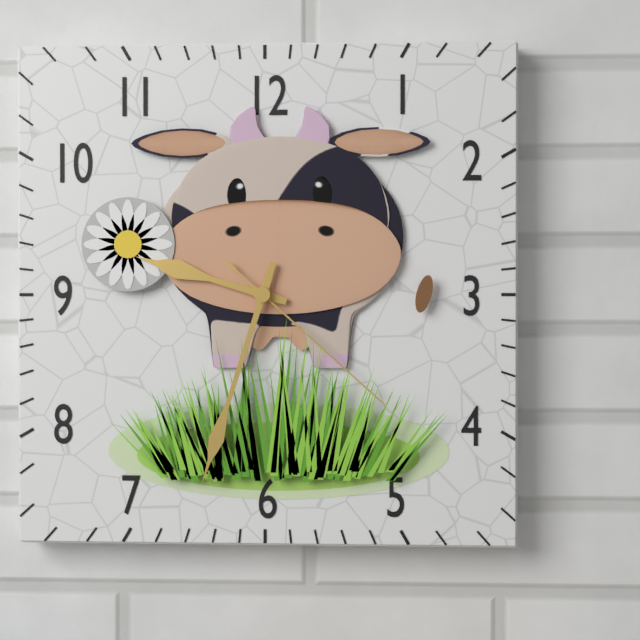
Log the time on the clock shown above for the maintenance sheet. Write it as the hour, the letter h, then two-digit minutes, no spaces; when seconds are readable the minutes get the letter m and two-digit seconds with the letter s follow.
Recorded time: 9h33m22s
